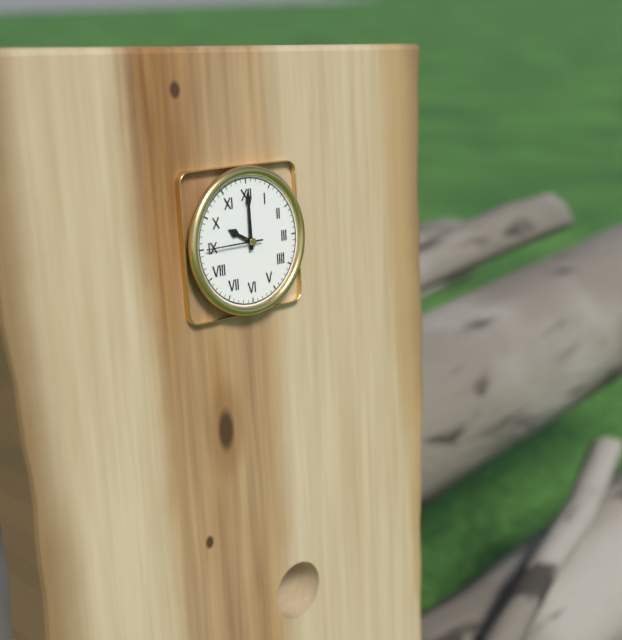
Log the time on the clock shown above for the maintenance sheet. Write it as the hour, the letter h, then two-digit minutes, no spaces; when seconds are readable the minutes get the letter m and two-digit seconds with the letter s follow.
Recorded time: 10h00m45s
